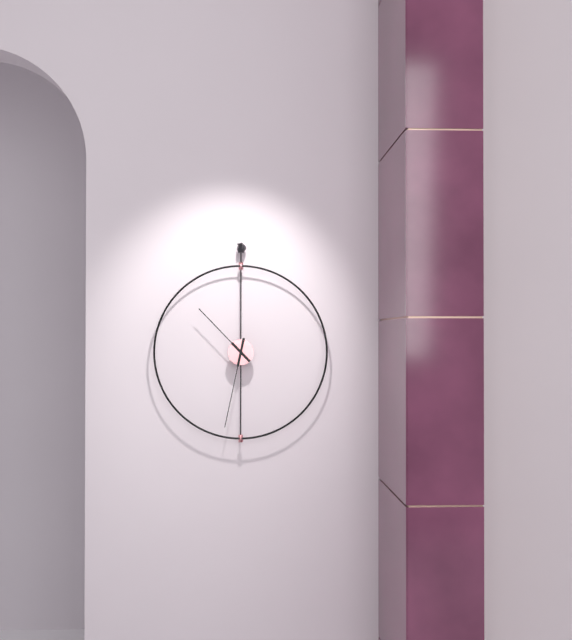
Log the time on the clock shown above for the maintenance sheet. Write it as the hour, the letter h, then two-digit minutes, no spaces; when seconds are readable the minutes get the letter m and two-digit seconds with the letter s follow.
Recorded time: 10h32
